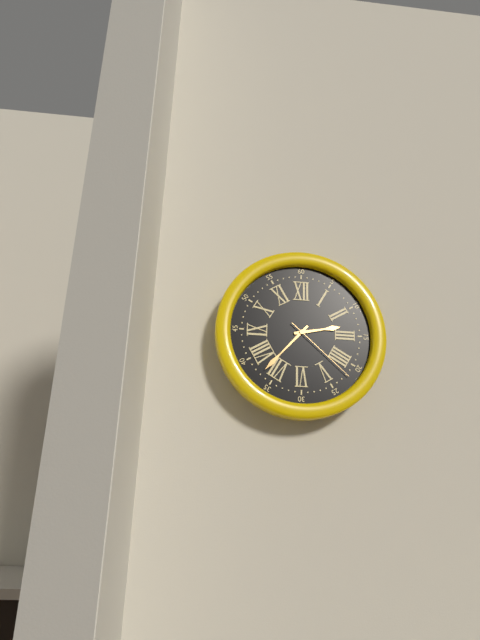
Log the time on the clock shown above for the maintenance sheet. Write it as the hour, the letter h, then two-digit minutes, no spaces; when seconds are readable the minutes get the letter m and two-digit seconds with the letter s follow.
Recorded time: 2h37m22s
